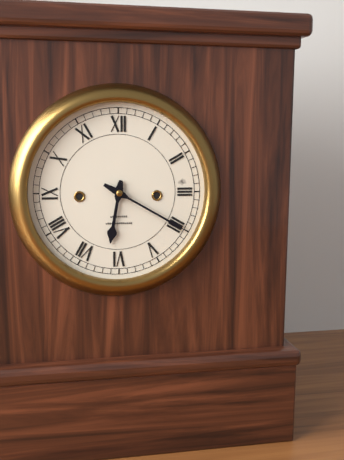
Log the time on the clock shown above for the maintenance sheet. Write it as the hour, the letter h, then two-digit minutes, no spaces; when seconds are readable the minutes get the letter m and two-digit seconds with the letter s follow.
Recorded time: 6h20
